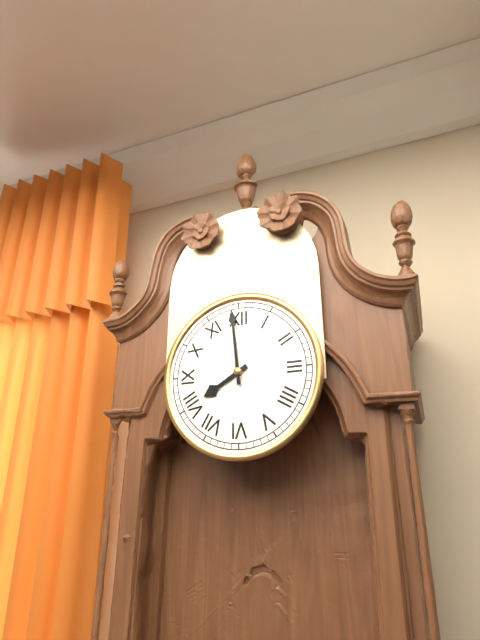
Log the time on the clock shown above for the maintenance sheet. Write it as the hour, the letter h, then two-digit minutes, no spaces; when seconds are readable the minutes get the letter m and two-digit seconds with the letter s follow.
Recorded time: 7h59
